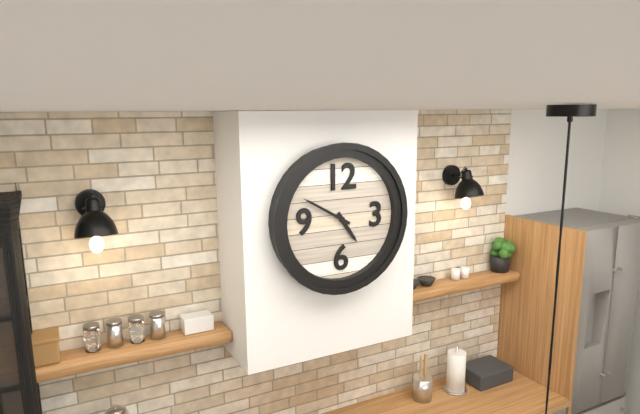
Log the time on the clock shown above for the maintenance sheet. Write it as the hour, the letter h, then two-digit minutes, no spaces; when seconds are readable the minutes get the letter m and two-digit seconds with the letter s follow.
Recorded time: 4h50
